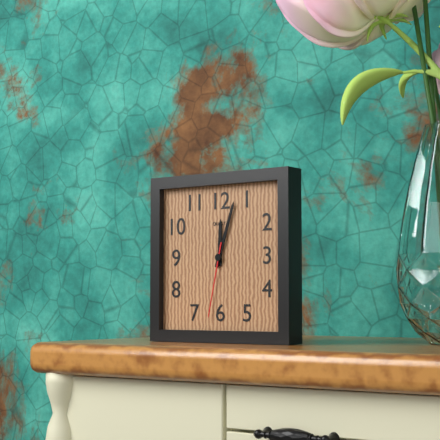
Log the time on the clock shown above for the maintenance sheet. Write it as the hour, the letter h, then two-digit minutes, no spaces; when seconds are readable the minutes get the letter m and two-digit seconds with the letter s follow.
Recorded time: 12h03m32s
